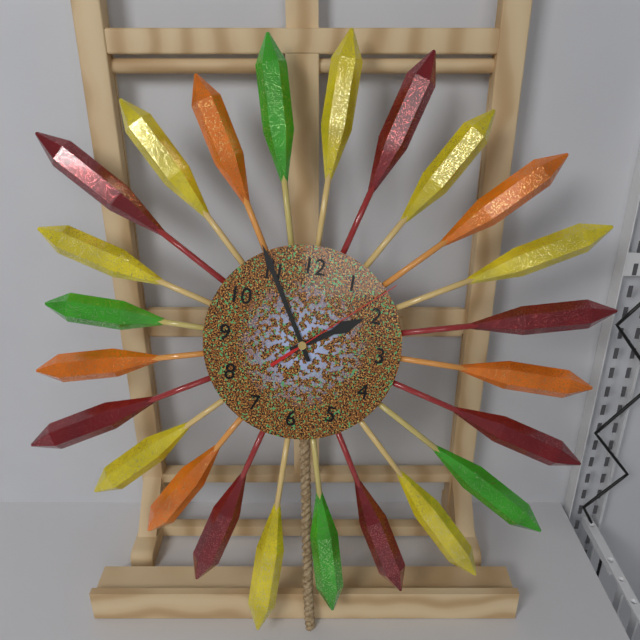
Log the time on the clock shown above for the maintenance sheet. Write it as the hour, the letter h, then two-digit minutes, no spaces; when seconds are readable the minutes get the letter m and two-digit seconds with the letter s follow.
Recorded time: 1h55m08s
